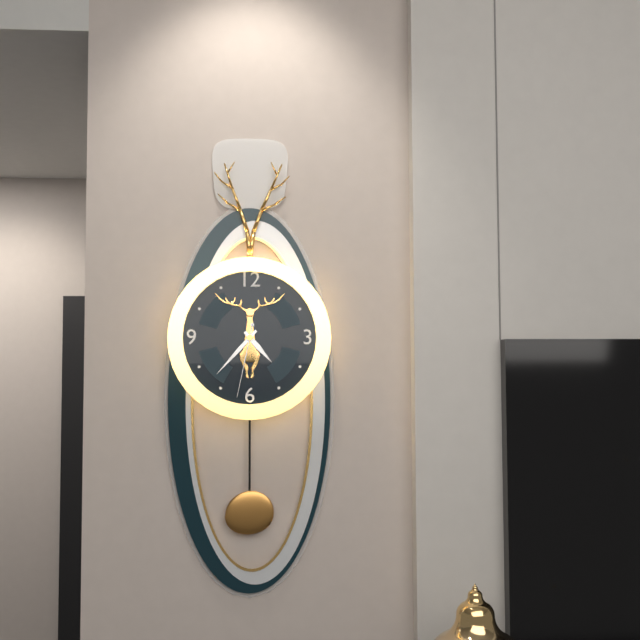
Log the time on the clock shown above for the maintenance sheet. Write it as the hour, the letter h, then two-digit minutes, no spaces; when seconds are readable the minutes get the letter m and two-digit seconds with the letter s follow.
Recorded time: 4h37m32s
